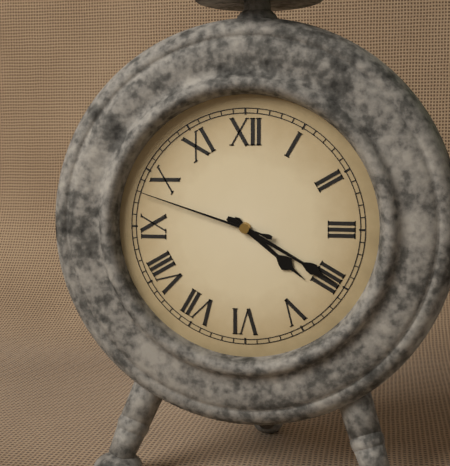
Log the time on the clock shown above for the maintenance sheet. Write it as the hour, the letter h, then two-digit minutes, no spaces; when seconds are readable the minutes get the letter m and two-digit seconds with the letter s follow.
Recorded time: 4h20m48s
